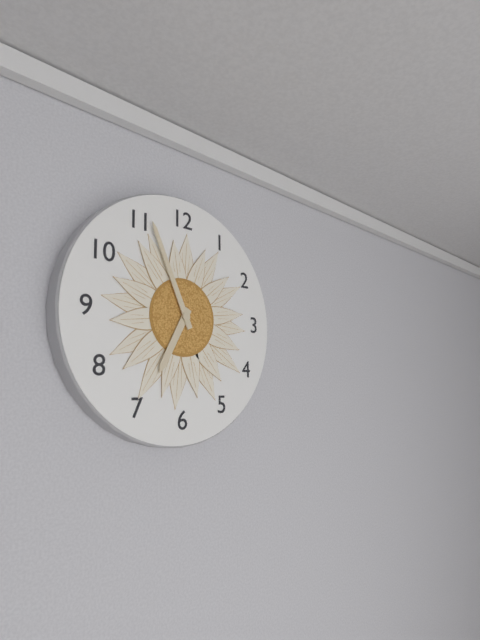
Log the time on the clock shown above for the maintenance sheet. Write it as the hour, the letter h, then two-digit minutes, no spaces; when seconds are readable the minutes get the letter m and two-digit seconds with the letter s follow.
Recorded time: 6h56
